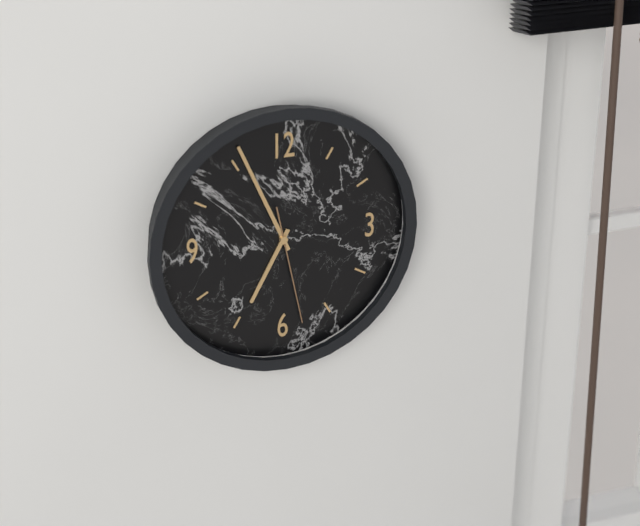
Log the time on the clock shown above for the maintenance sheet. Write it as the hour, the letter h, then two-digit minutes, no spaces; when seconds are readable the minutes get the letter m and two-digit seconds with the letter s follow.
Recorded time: 6h56m28s
